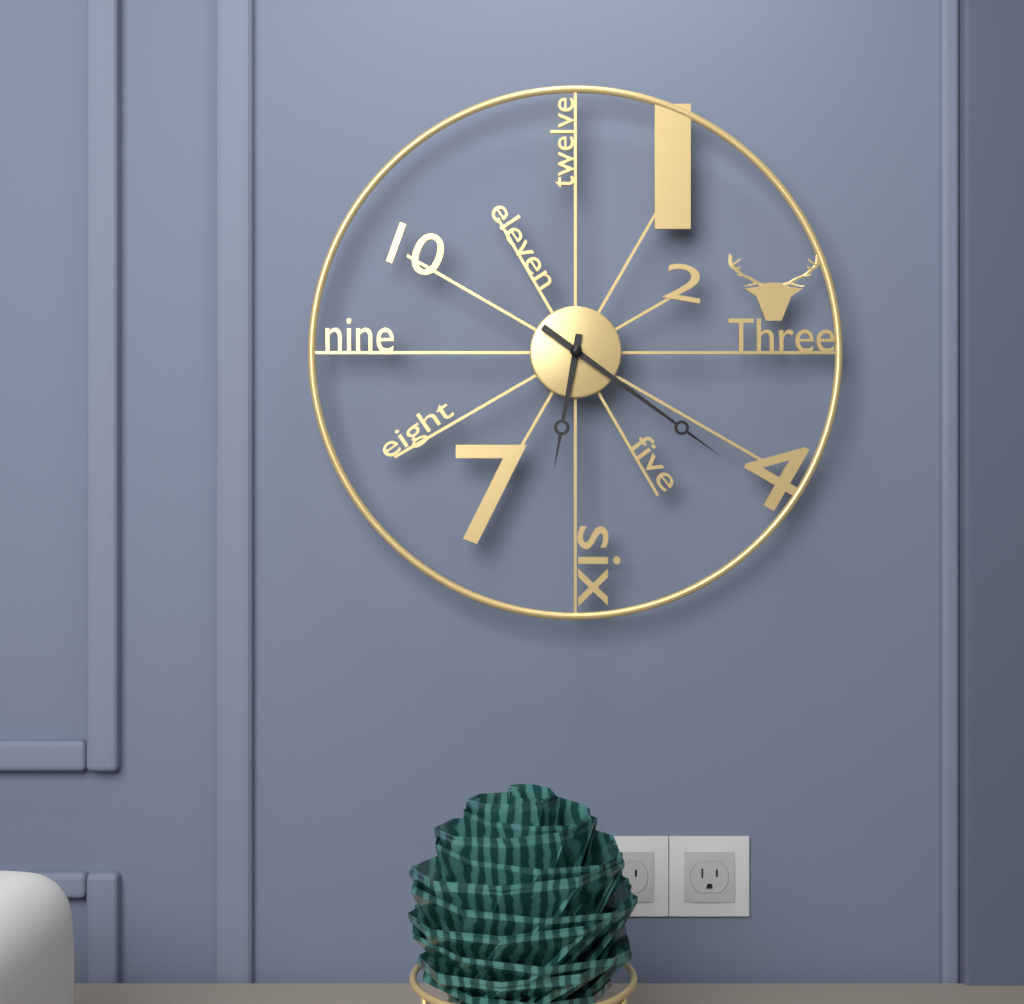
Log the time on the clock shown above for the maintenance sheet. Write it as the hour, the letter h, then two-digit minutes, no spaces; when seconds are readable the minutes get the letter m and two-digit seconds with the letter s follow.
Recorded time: 6h21
